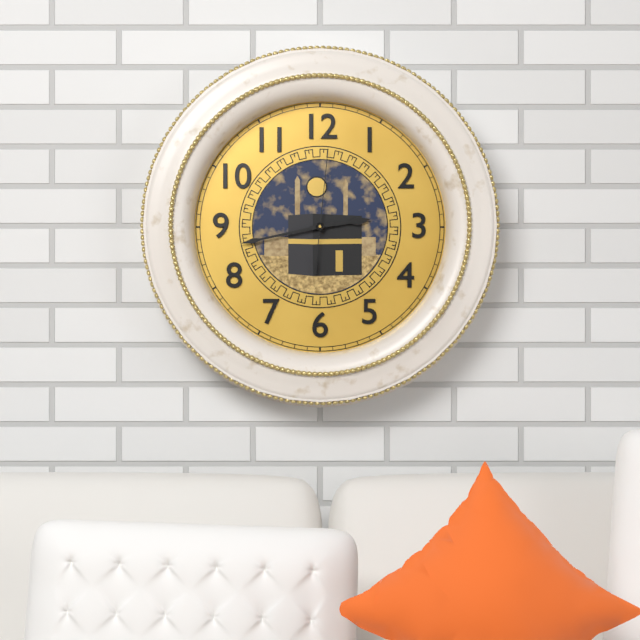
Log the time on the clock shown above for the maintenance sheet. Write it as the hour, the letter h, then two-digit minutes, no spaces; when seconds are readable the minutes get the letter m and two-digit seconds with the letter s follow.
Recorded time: 2h43m01s
